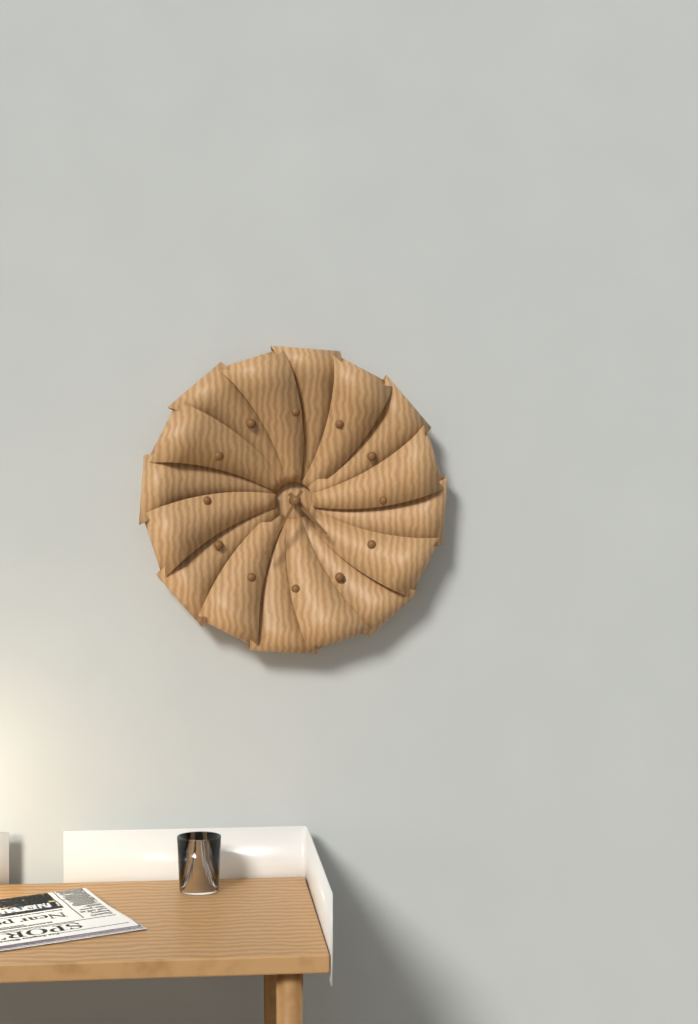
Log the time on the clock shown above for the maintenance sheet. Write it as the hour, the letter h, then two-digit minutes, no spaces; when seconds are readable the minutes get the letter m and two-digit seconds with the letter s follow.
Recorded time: 4h35
